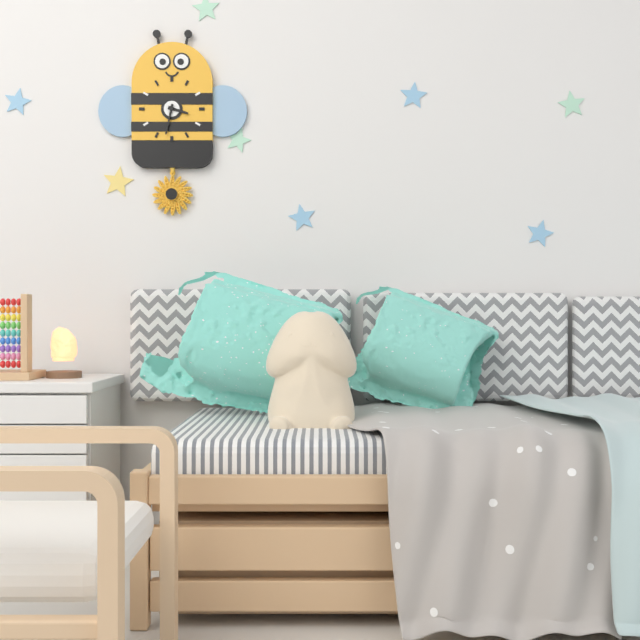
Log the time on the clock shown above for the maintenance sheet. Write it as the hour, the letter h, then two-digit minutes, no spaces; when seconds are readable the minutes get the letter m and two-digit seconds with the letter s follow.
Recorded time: 3h32
